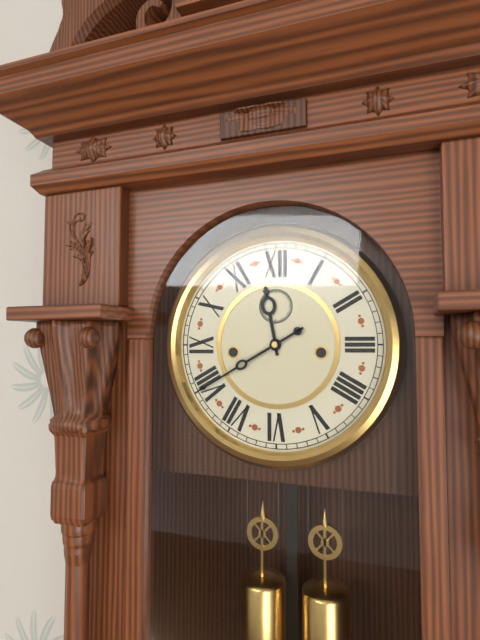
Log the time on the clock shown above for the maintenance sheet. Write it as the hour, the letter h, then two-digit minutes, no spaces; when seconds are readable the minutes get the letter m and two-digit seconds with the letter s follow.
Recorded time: 11h40
